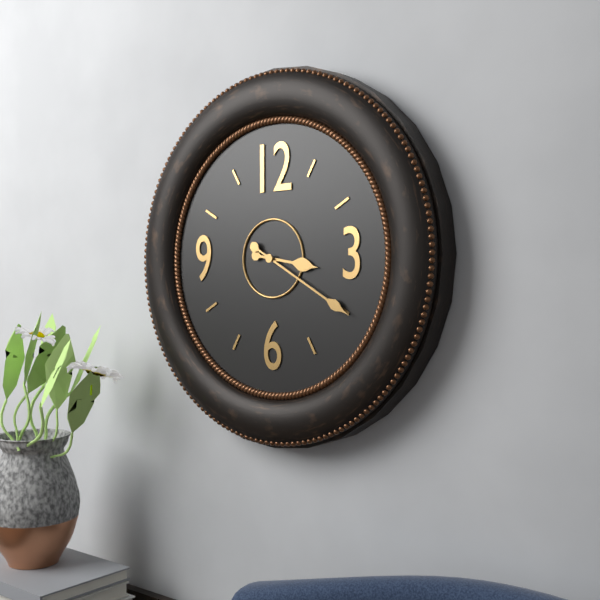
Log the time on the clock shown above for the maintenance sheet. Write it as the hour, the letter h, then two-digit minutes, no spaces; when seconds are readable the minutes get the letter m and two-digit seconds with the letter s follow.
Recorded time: 3h20
